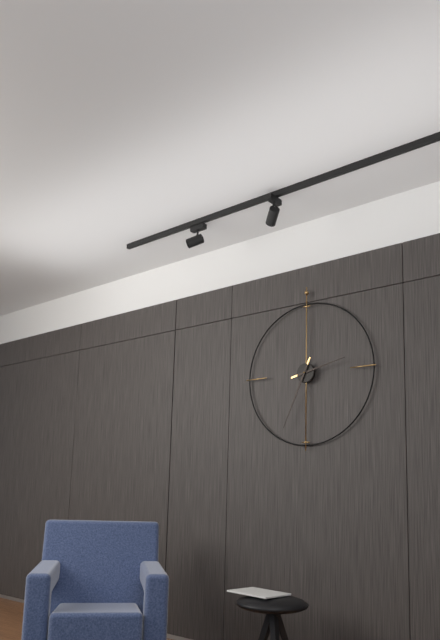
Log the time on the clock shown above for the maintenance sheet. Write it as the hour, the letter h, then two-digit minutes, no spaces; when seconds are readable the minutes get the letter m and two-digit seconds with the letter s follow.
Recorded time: 2h34
